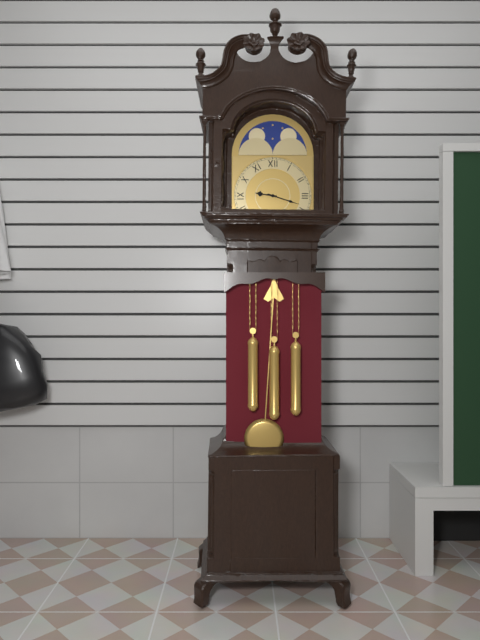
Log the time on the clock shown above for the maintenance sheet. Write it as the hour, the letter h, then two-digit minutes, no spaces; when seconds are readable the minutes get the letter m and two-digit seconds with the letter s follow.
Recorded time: 9h18
